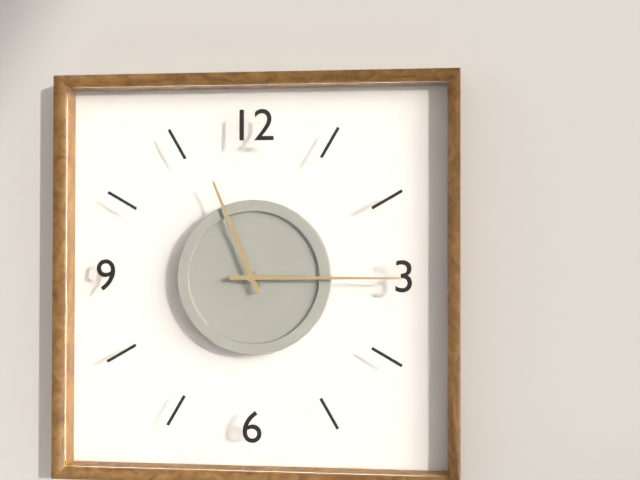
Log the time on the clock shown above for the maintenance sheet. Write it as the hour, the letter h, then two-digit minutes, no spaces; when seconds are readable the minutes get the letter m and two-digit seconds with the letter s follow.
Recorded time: 11h15
